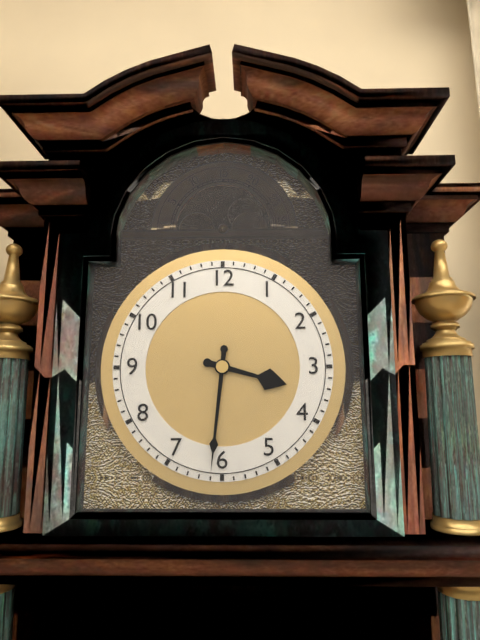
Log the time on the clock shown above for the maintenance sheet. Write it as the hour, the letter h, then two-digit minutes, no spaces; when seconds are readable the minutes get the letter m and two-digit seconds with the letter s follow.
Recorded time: 3h31
